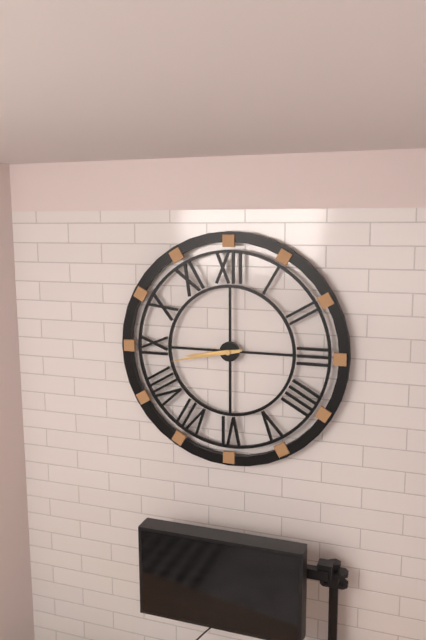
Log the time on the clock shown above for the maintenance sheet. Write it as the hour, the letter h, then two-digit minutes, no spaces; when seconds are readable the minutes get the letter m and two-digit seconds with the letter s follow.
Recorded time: 8h43
